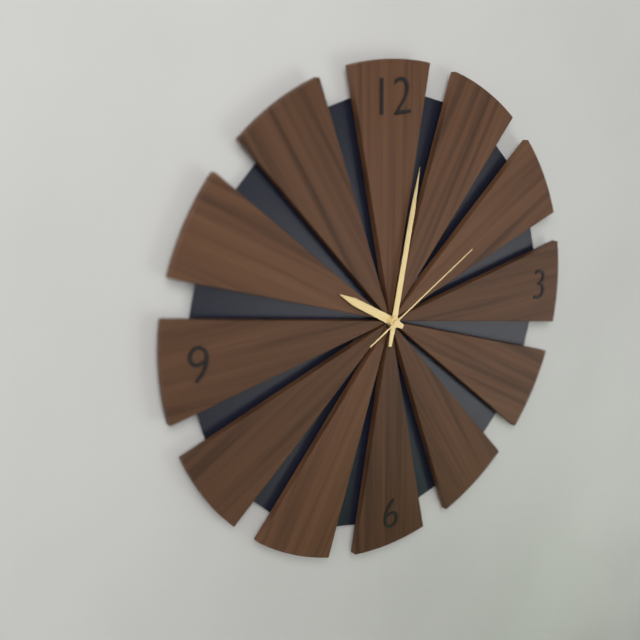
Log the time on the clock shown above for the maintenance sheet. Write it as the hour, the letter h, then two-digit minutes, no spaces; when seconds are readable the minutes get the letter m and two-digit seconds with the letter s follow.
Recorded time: 10h02m10s
